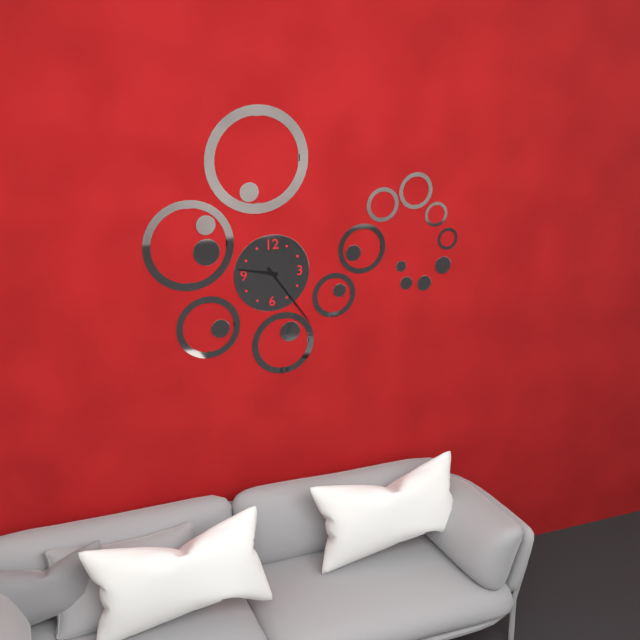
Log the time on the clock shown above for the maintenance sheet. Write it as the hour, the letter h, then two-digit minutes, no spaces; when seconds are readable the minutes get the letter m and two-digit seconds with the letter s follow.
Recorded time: 9h24
